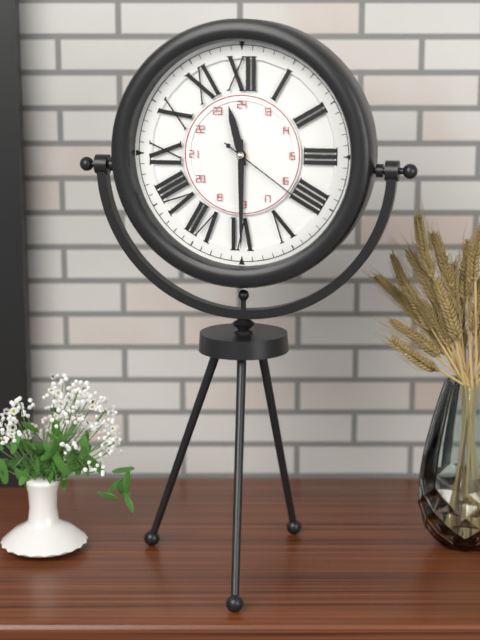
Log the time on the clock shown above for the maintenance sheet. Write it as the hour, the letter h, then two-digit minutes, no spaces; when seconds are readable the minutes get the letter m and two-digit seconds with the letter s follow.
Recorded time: 11h30m21s
